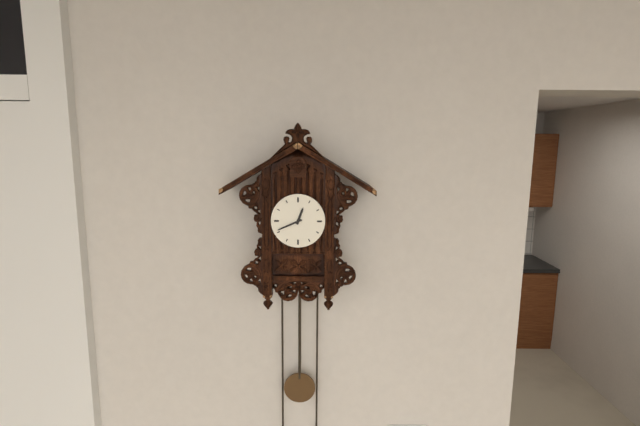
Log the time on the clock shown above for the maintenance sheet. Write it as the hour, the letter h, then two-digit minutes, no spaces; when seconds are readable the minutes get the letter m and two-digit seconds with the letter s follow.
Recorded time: 12h41
